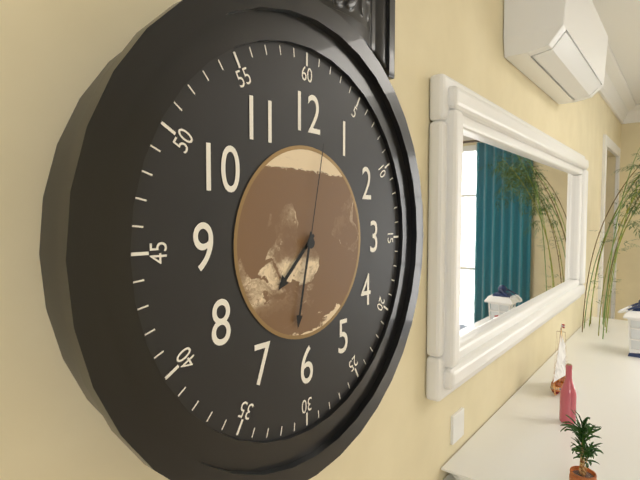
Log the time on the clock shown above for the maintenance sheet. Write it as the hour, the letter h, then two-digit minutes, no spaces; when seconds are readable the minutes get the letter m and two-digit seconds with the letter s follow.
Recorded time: 7h32m02s
